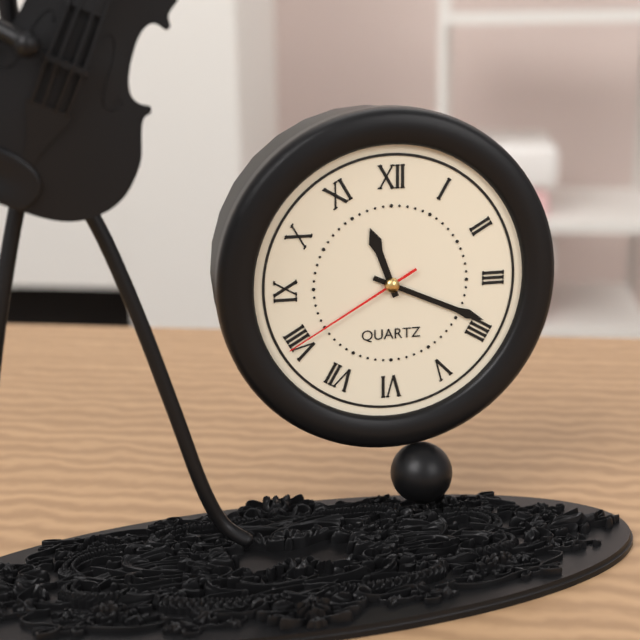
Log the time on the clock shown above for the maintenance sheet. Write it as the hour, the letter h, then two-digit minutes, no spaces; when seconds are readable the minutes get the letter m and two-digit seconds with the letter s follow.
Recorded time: 11h19m40s
